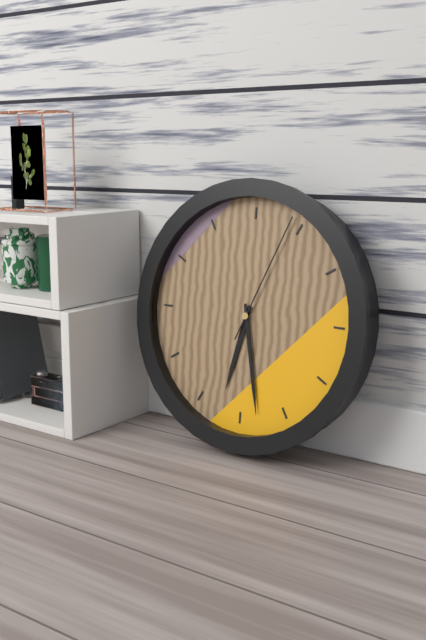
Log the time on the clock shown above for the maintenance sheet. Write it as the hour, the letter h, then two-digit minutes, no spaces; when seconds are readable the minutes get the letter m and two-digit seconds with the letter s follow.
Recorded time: 6h28m04s
